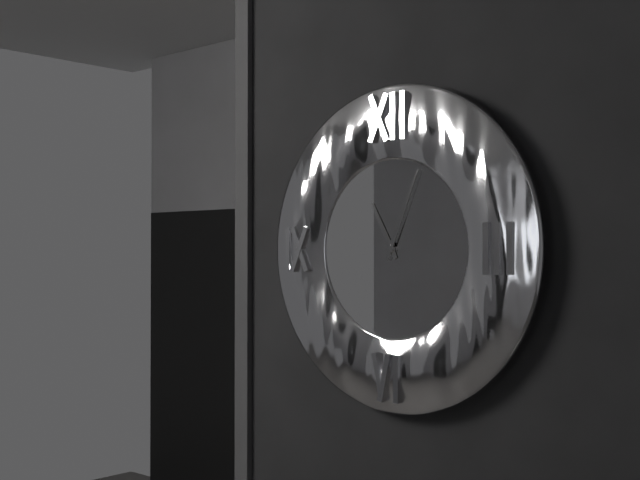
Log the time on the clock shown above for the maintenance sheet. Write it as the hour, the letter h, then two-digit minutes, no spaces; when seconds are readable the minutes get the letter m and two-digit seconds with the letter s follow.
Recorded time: 11h04
